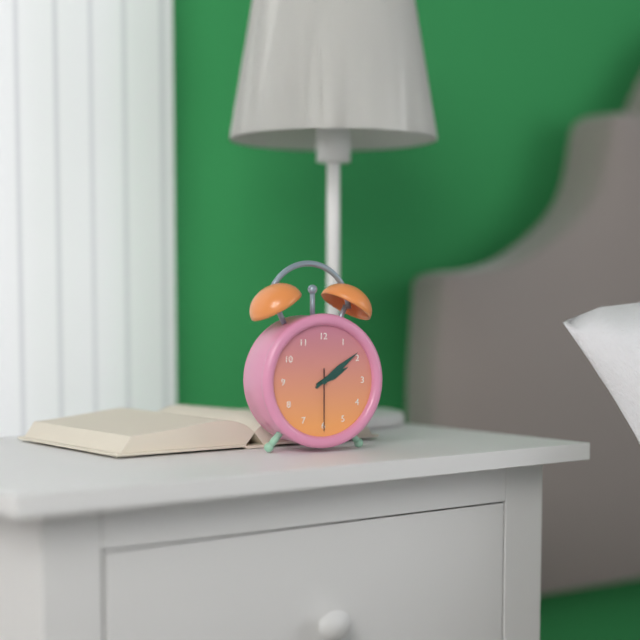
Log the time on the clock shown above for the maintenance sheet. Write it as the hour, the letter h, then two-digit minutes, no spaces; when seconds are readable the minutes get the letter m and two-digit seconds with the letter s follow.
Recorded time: 2h09m30s
